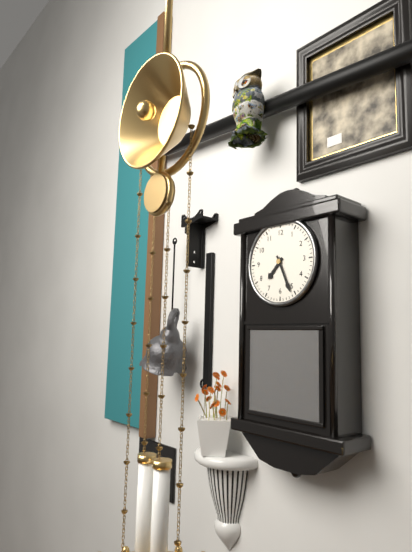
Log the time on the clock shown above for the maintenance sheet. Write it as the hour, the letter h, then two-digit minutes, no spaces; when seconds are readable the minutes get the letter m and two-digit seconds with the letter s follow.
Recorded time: 7h26
